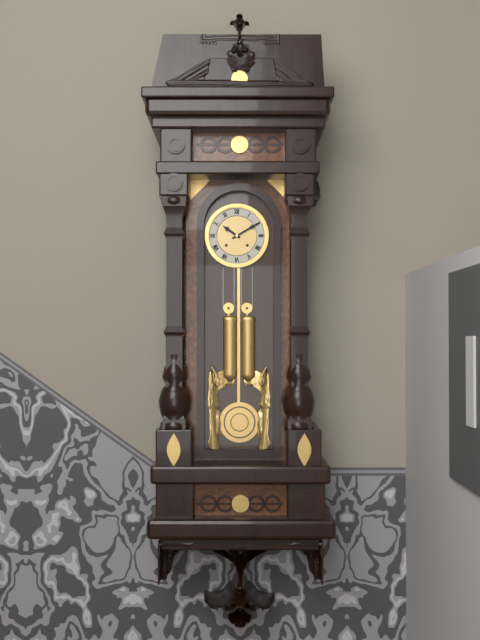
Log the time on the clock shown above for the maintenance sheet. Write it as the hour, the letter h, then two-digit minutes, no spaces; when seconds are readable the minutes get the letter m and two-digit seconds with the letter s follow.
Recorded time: 10h10
